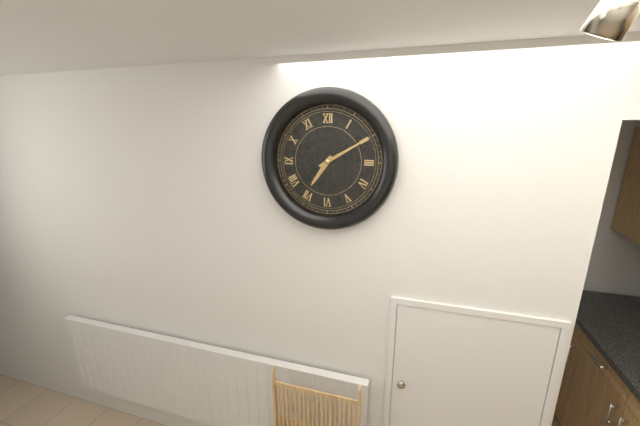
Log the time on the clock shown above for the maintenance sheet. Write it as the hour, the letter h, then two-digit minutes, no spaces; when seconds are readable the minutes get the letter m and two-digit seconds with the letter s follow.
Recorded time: 7h10
